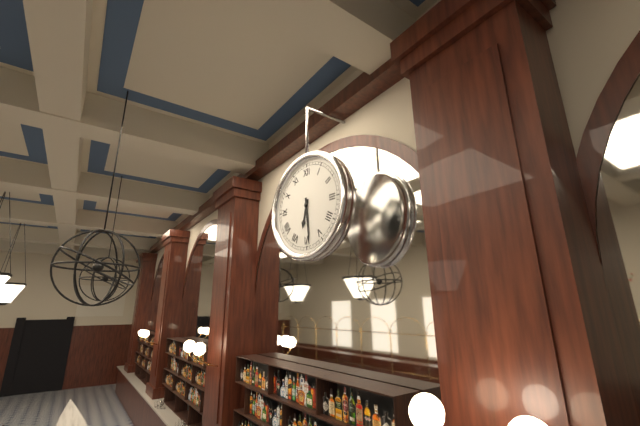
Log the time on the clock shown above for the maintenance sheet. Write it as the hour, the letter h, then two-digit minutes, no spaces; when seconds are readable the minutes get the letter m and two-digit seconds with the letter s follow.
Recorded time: 6h29
